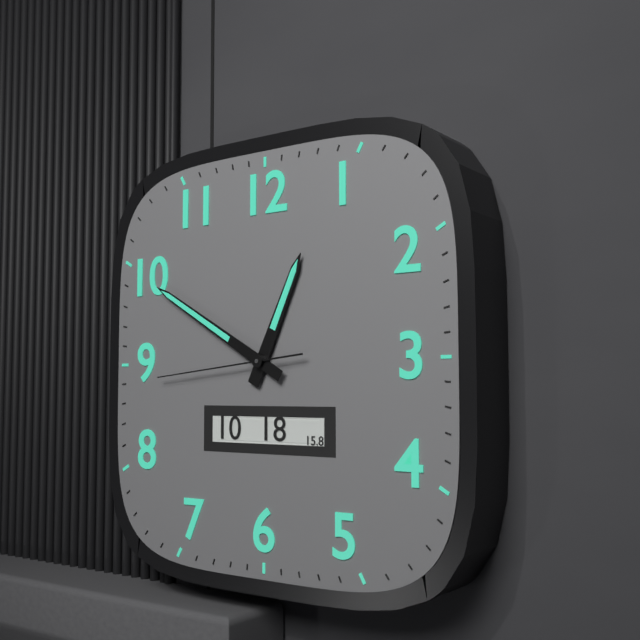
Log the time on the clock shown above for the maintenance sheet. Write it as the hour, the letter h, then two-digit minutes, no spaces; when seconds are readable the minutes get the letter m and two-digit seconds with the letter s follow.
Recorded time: 12h50m44s
